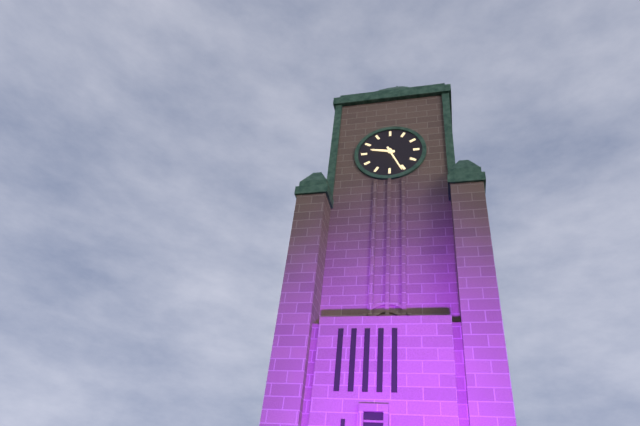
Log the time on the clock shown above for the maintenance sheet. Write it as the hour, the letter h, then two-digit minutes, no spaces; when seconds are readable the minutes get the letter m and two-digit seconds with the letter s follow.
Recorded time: 9h26
